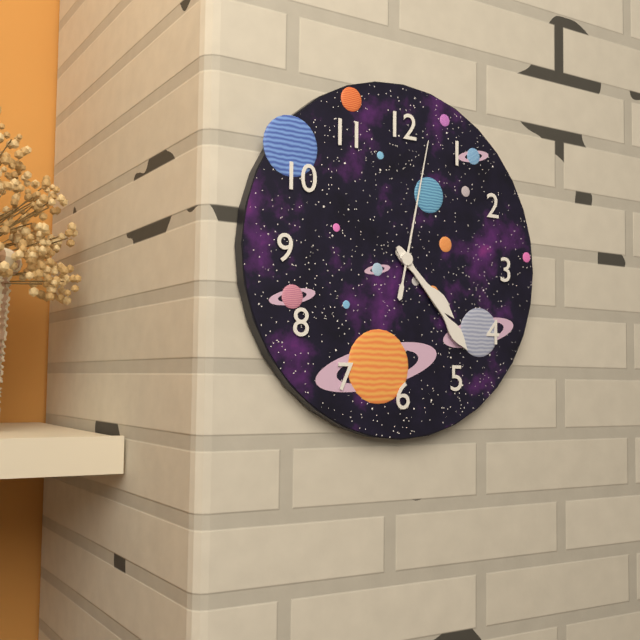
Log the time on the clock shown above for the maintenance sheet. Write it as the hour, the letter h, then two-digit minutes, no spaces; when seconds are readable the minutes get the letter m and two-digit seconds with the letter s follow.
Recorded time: 4h23m02s
